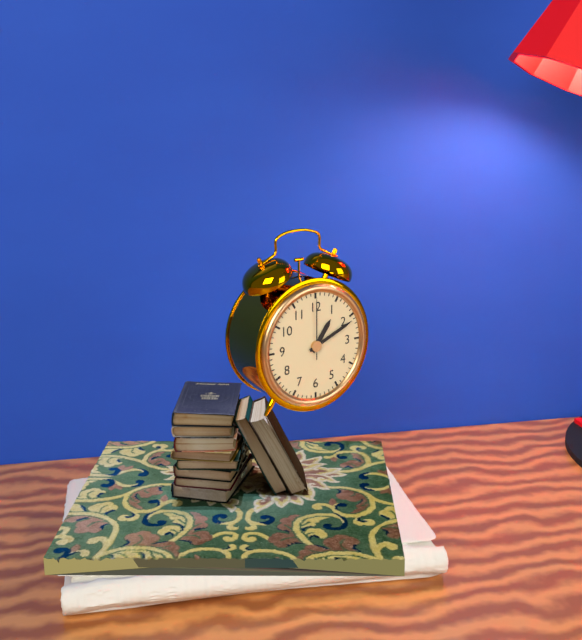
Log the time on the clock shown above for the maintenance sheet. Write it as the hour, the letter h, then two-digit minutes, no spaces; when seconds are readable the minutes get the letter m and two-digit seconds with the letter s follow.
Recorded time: 1h11m00s
